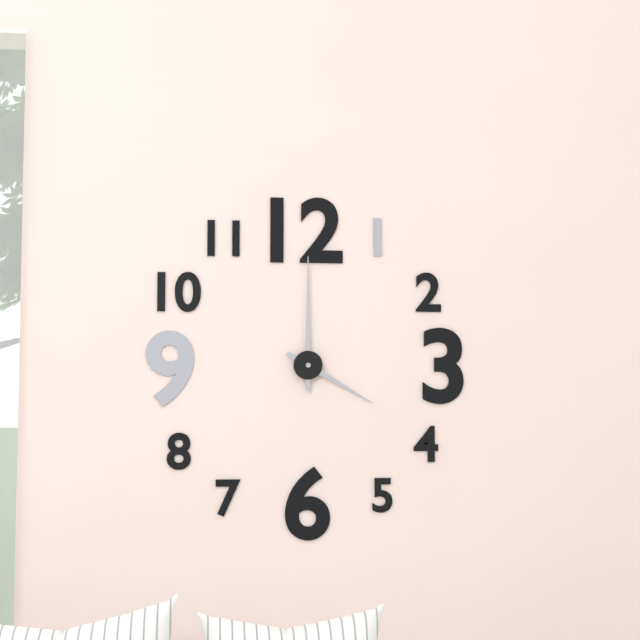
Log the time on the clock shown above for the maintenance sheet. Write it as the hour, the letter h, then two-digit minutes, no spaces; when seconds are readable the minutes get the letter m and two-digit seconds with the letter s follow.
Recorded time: 4h00
